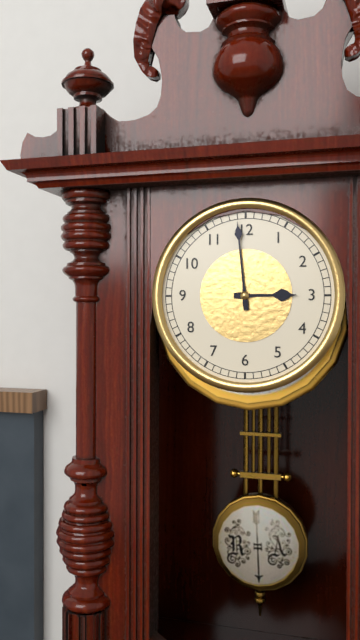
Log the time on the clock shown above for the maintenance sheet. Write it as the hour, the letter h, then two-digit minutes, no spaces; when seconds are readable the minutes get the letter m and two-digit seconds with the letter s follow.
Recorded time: 2h59
